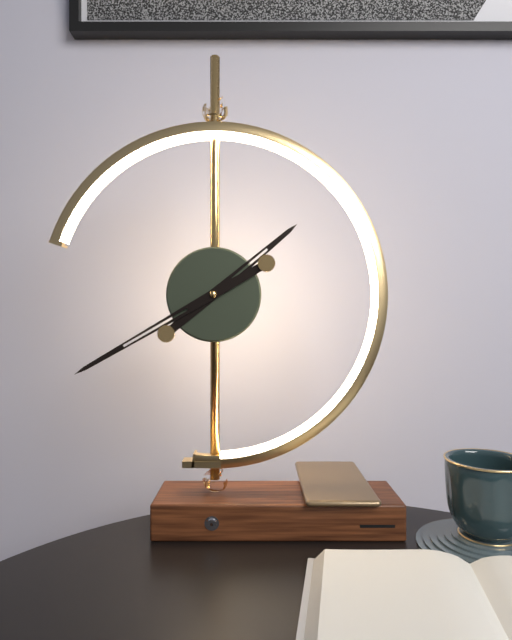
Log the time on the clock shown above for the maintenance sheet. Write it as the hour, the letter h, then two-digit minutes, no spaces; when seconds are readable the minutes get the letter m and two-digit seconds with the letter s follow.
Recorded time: 1h40
